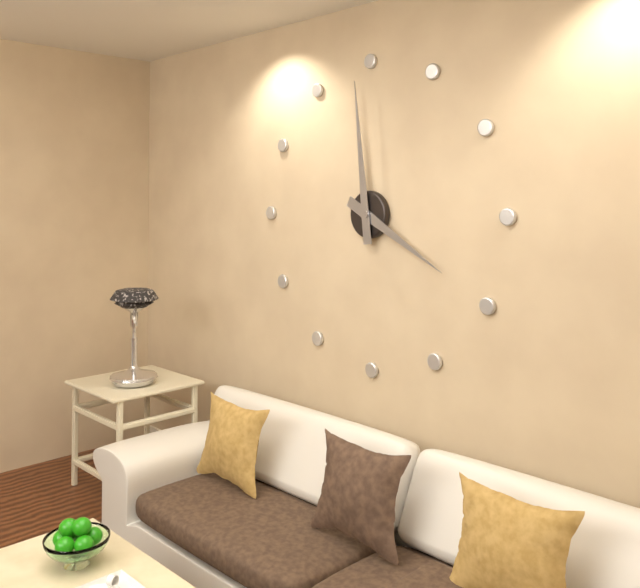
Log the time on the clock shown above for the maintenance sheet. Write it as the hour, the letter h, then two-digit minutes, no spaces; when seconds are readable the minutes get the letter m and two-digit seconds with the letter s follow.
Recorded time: 3h59
